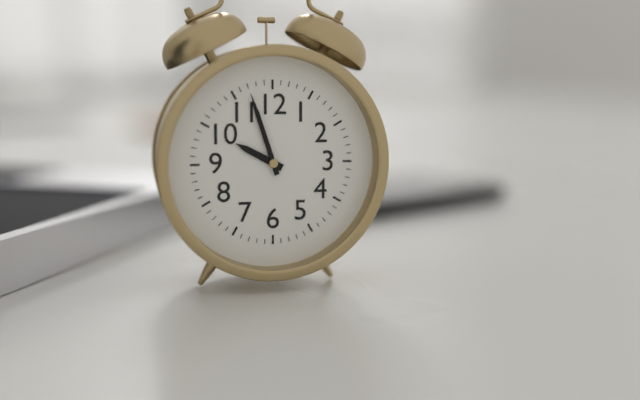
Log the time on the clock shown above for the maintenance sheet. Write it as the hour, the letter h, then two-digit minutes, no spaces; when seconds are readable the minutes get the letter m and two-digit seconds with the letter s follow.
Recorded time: 9h57
